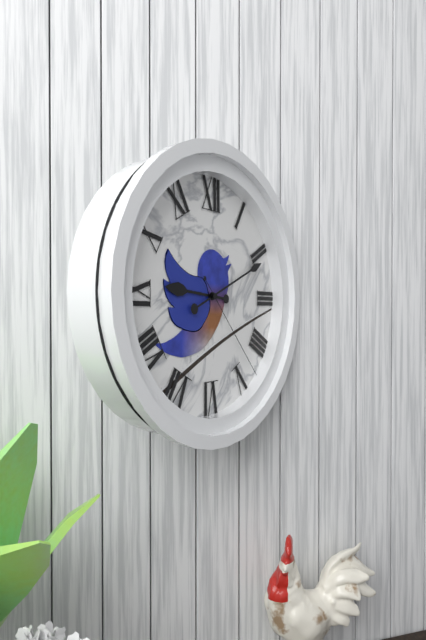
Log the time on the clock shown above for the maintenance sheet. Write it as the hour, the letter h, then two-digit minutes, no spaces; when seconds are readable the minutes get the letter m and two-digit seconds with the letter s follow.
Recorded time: 9h11m23s
